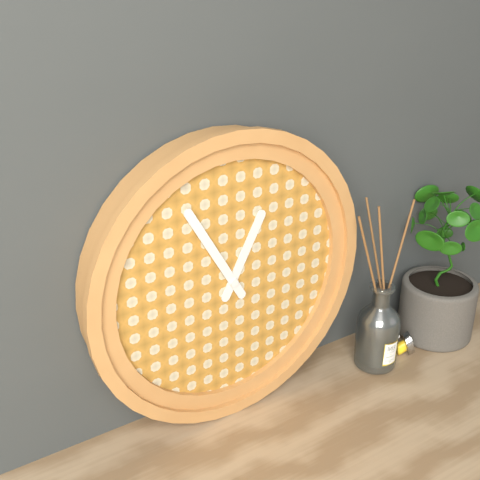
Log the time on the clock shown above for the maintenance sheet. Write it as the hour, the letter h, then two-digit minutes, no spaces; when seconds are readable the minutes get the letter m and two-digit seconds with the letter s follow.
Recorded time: 12h55
